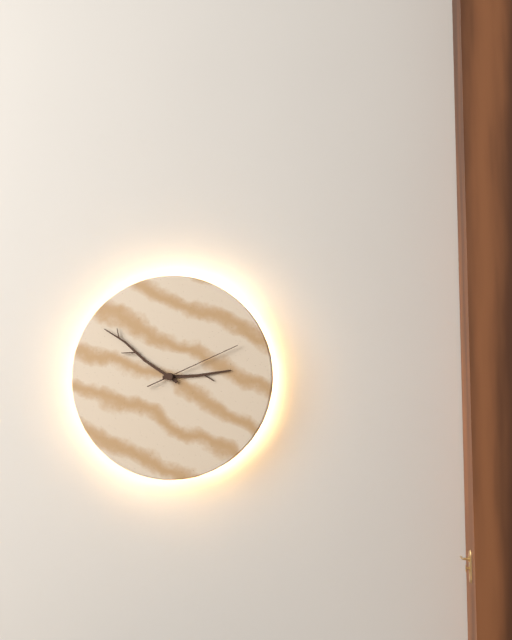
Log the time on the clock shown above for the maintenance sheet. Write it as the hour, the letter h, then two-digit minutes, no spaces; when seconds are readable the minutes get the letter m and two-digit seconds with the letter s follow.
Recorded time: 2h51m11s
